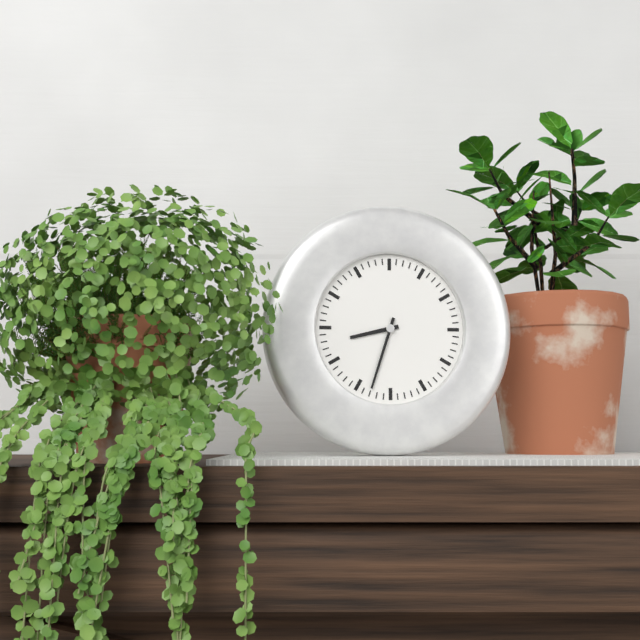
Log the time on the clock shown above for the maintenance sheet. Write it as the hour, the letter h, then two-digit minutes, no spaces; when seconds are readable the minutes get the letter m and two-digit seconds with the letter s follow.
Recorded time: 8h33
